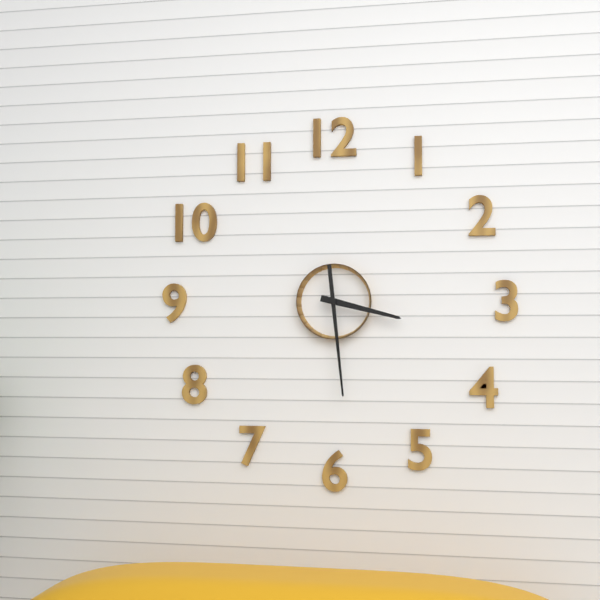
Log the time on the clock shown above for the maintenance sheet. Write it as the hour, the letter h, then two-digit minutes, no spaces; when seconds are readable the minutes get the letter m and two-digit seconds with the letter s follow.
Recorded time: 3h29
